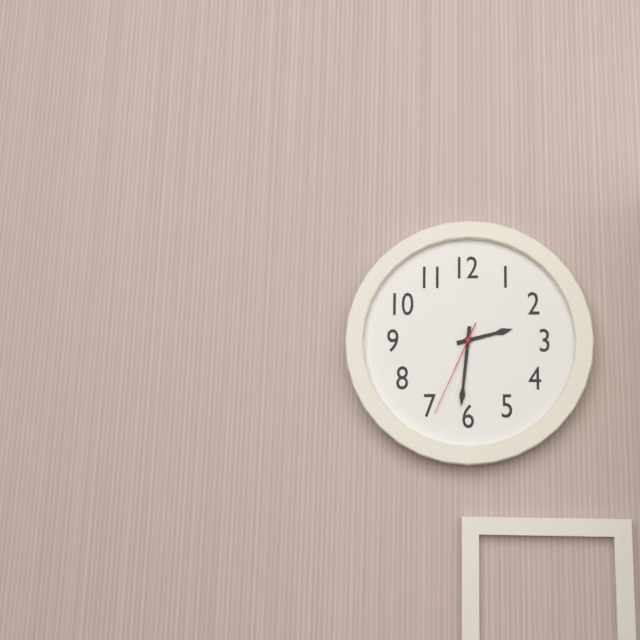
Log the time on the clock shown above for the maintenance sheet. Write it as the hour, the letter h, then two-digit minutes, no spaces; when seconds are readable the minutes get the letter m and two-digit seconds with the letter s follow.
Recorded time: 2h31m34s
